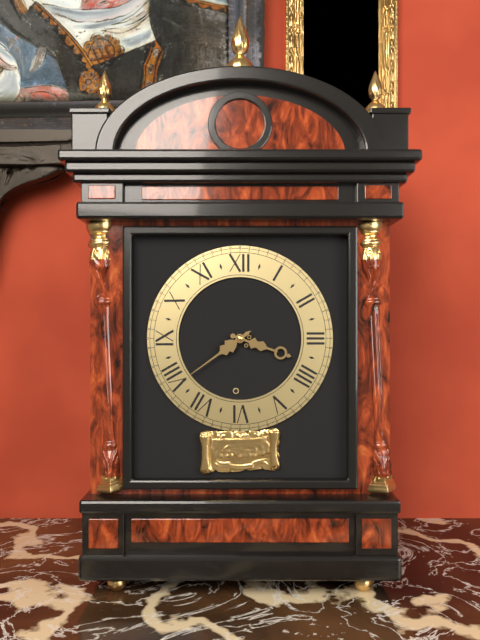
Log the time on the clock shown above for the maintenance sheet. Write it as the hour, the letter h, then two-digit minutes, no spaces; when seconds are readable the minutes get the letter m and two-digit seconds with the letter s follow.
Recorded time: 3h39
